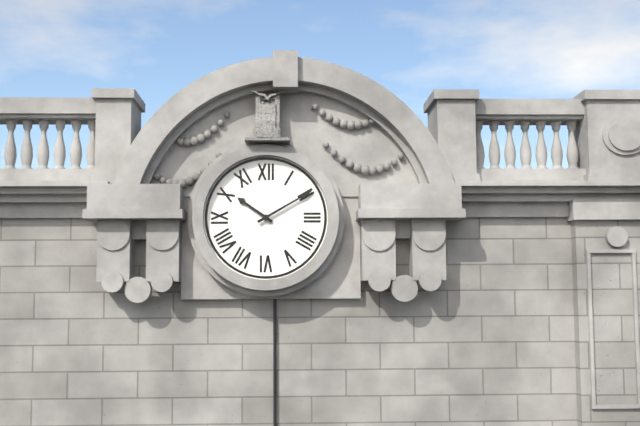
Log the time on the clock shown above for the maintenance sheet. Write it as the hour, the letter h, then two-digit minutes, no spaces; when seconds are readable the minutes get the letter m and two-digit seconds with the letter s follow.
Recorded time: 10h10
